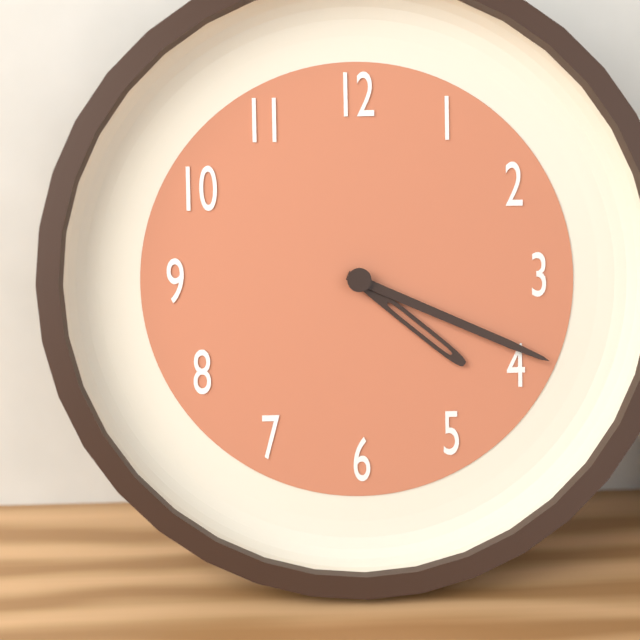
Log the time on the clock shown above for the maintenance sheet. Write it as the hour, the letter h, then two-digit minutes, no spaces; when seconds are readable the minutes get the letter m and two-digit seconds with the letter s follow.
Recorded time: 4h19
